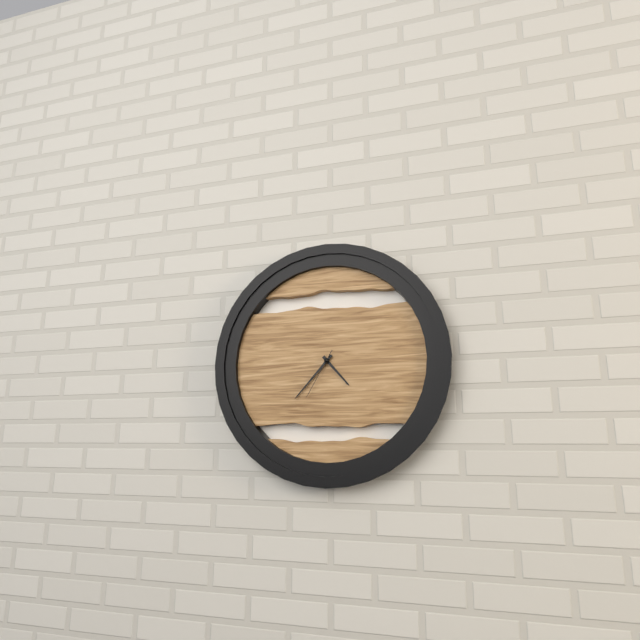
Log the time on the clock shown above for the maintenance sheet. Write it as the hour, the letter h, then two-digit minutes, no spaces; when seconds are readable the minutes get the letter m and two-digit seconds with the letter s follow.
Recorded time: 4h37m35s
